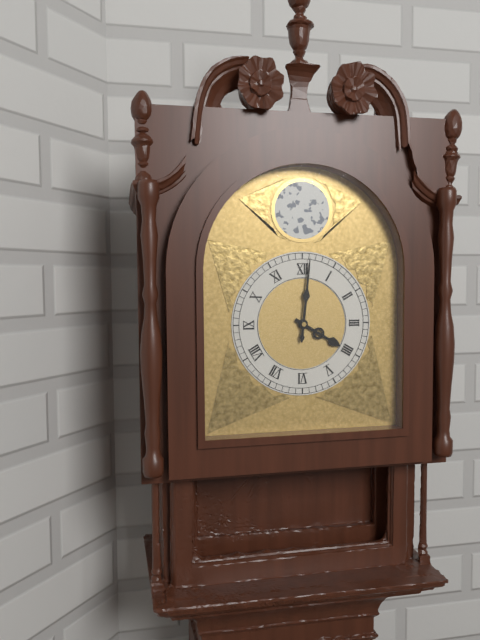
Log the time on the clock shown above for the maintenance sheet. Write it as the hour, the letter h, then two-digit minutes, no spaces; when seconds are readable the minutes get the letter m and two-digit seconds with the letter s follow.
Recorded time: 4h01
